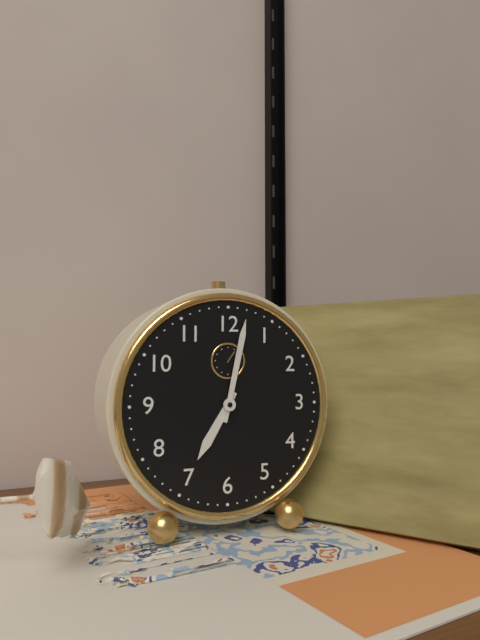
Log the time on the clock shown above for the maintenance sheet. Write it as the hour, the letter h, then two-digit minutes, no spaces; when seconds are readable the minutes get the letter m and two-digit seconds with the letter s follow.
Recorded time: 7h02
